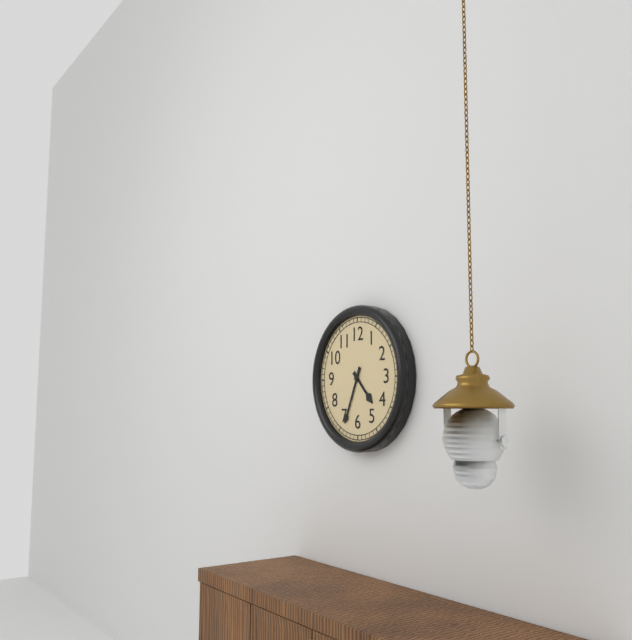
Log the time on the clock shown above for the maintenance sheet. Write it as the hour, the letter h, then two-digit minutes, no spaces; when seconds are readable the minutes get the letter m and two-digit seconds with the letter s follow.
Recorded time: 4h34
